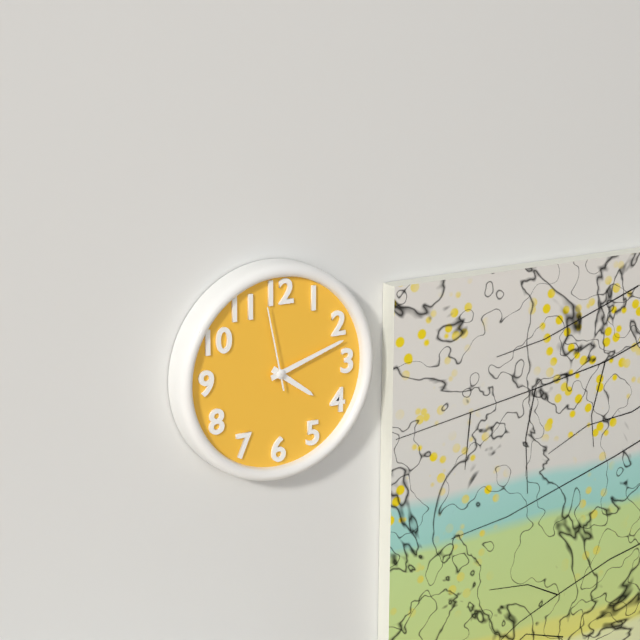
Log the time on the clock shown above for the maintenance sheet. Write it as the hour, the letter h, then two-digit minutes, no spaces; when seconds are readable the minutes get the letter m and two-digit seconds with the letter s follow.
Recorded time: 4h12m58s
